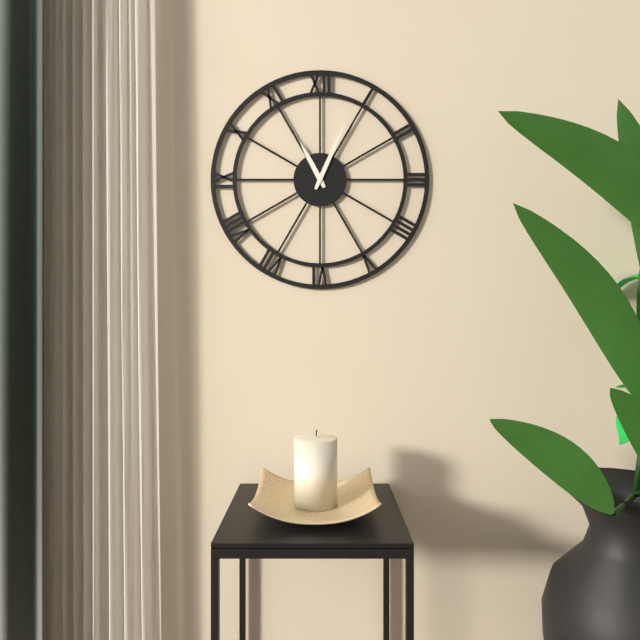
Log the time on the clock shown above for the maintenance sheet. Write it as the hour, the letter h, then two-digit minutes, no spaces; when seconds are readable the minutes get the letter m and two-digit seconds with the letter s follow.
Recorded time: 11h04
